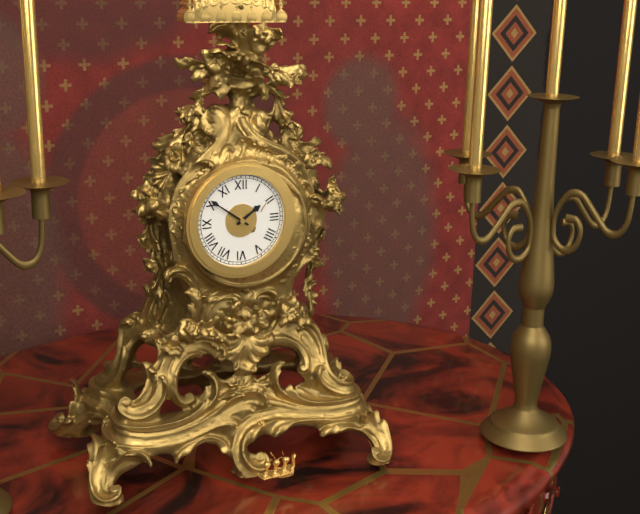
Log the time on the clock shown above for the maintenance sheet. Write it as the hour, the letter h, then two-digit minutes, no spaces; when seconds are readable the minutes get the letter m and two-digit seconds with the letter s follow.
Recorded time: 1h51
